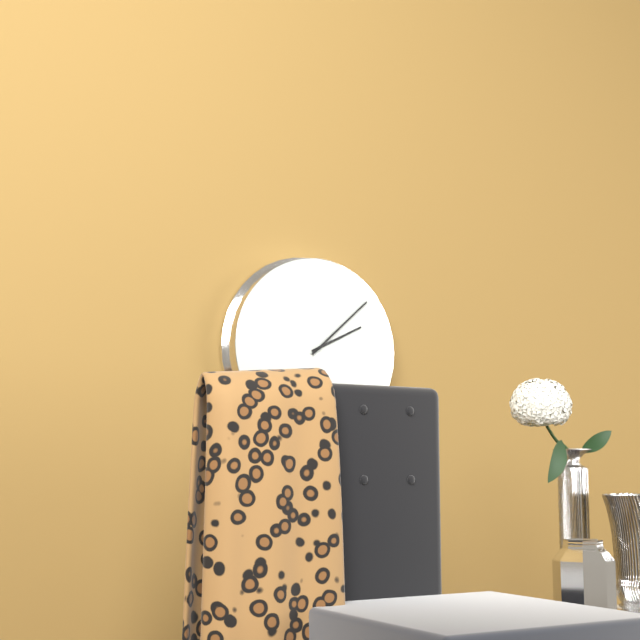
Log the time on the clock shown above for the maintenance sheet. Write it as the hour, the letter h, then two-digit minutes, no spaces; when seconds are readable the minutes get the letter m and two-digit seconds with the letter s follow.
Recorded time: 2h08
